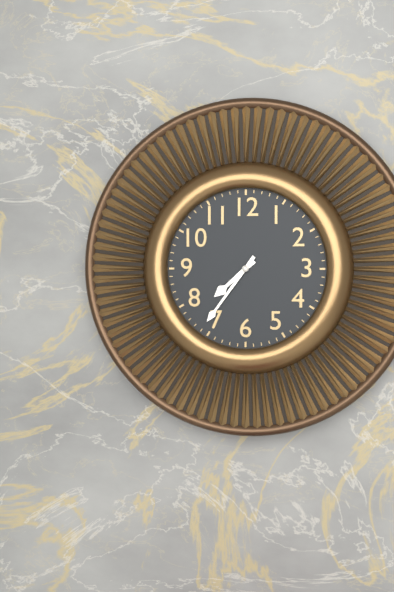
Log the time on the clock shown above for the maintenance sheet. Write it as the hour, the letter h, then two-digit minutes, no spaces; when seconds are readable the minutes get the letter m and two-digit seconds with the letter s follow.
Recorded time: 7h36
